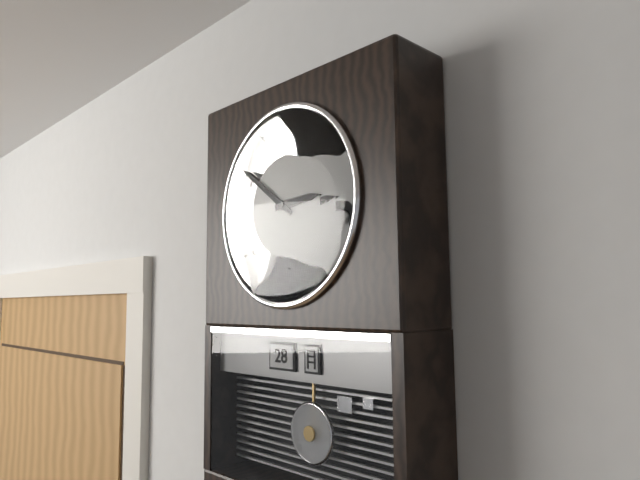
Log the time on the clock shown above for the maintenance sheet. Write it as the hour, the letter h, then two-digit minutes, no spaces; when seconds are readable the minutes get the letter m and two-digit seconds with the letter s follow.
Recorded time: 2h51
